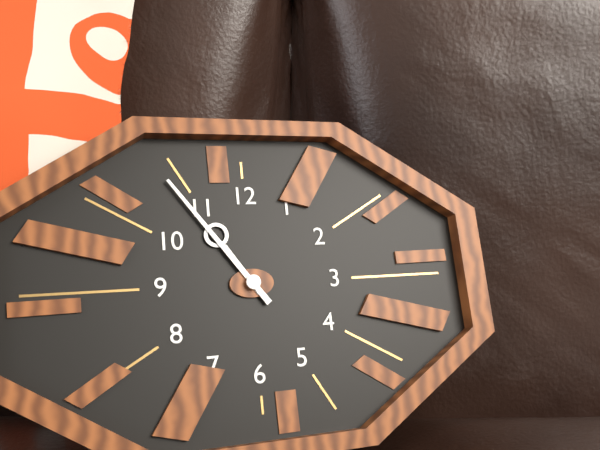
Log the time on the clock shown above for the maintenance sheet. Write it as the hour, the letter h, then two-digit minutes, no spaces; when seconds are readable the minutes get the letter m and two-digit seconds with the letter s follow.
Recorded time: 10h54
